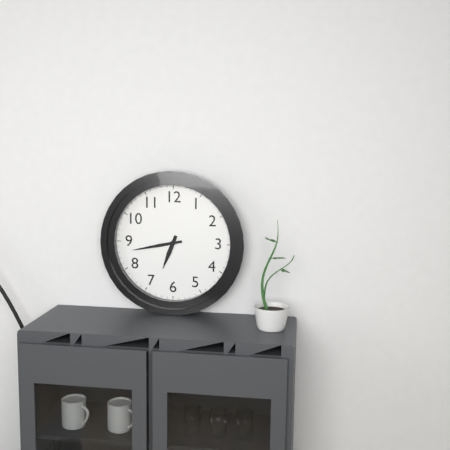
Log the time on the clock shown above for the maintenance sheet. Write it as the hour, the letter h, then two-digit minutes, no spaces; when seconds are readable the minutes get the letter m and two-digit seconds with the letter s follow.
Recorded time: 6h43
